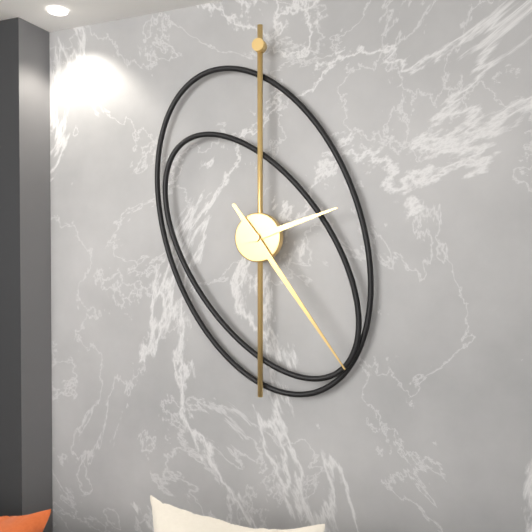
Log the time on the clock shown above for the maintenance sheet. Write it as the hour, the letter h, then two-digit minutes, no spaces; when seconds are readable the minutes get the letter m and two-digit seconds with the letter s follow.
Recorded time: 2h24
